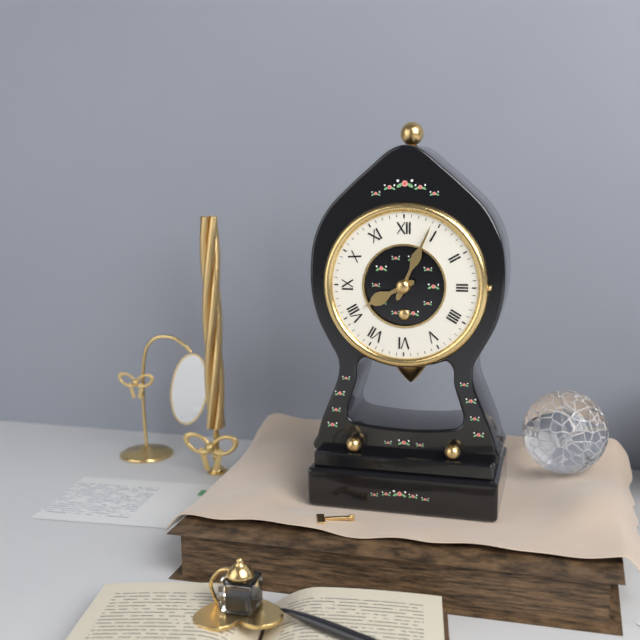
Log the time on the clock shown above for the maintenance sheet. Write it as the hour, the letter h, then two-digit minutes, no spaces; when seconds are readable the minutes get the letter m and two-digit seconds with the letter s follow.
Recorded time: 8h04
